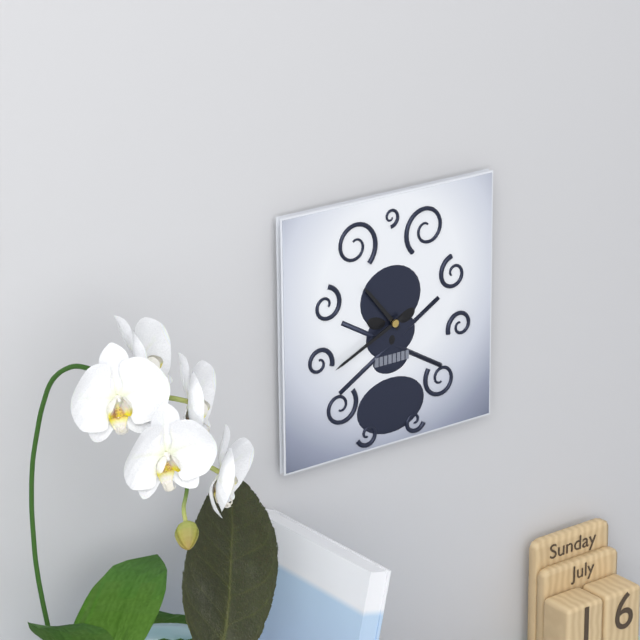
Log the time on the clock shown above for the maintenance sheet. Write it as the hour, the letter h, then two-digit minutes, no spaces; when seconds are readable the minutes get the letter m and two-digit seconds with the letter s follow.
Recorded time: 10h41
